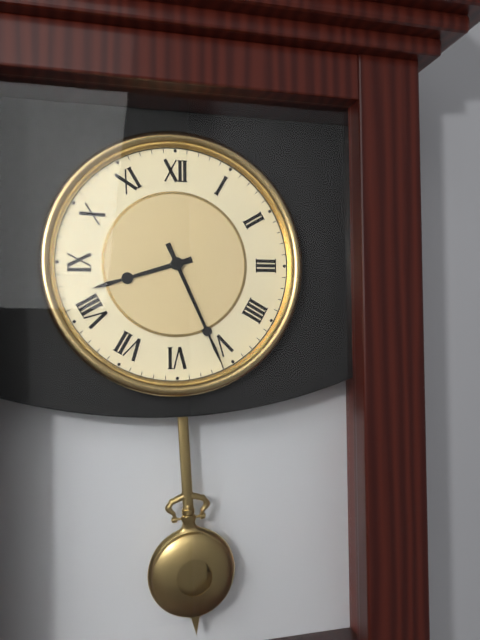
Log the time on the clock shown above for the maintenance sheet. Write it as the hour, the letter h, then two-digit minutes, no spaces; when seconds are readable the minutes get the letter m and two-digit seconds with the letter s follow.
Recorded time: 8h26
